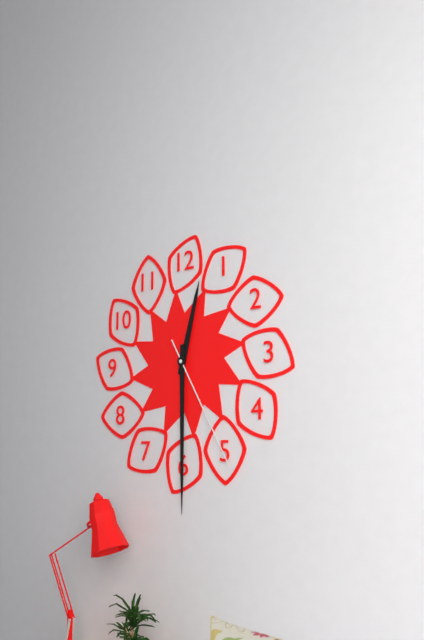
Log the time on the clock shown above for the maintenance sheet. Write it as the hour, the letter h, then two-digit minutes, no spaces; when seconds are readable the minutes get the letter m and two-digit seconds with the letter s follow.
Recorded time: 12h30m25s
